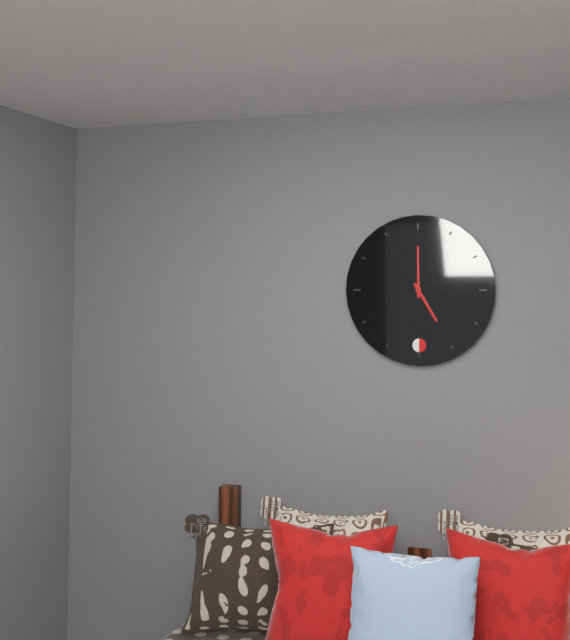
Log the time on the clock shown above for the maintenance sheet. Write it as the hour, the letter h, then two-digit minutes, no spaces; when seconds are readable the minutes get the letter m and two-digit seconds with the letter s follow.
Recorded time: 5h00
